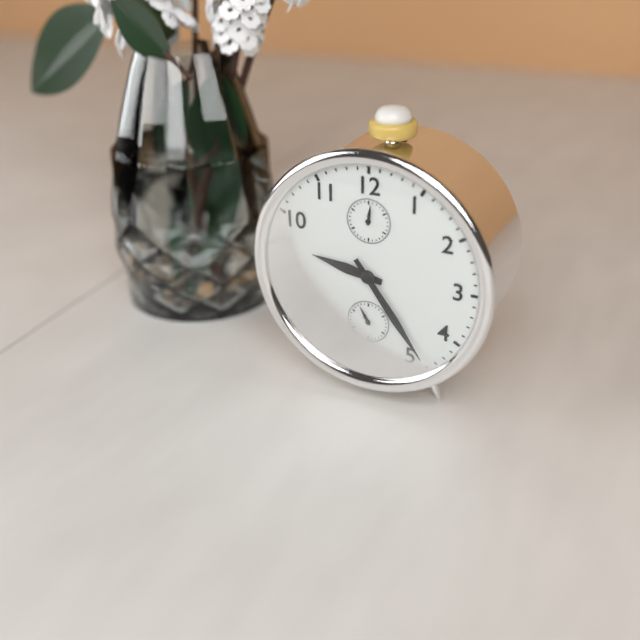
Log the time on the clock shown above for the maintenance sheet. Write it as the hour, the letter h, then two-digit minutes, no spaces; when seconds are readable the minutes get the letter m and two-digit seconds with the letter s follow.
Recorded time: 9h24
